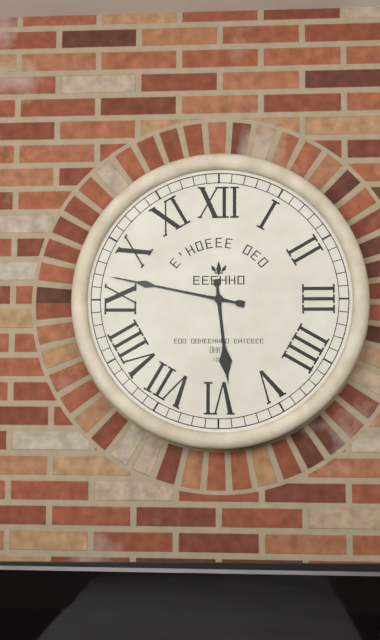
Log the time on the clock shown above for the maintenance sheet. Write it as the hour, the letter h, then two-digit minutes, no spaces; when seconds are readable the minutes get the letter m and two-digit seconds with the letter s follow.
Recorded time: 5h47
